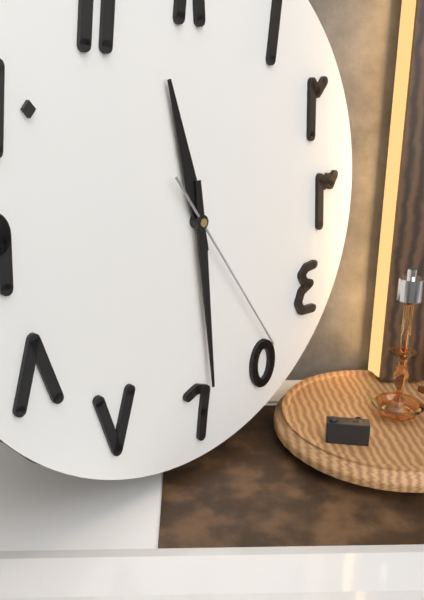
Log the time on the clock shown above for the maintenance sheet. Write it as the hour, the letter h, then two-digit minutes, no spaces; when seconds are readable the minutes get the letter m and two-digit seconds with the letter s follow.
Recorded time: 11h29m24s
